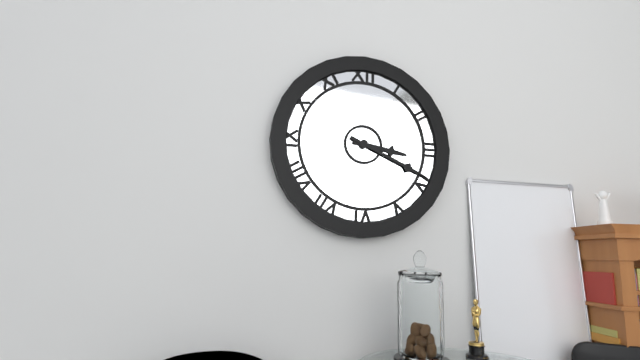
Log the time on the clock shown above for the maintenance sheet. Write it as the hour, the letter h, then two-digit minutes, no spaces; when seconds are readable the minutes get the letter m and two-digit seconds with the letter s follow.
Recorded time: 3h19
